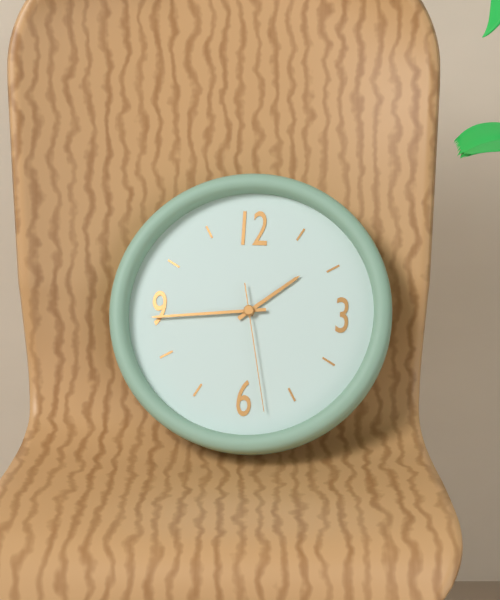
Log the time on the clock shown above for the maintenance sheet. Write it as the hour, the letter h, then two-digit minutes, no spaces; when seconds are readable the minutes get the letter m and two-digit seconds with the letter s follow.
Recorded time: 1h44m28s
